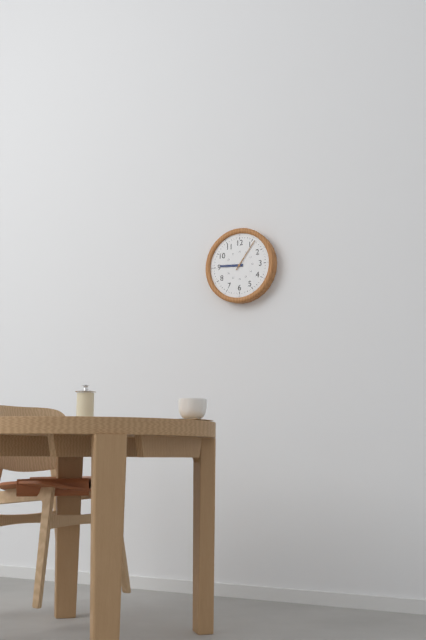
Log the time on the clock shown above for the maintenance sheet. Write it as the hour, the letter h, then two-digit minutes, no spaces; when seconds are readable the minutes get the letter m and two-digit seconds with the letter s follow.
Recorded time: 9h06
